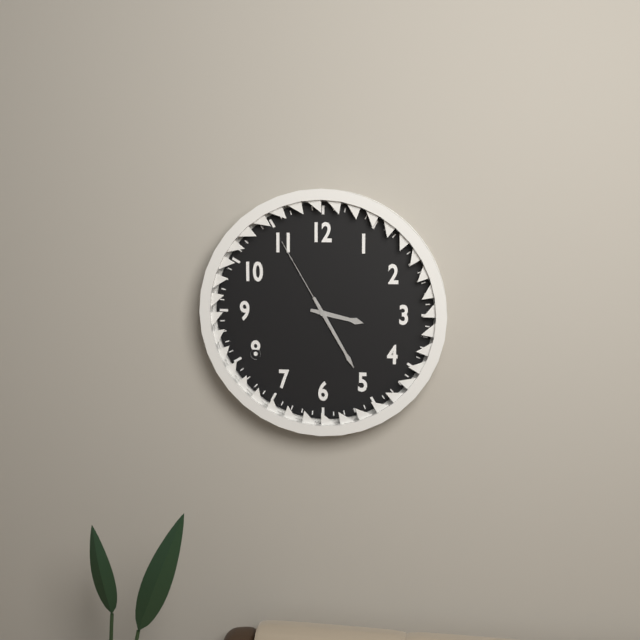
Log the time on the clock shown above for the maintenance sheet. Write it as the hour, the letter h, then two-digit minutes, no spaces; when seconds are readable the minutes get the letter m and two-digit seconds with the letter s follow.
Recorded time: 3h25m55s
